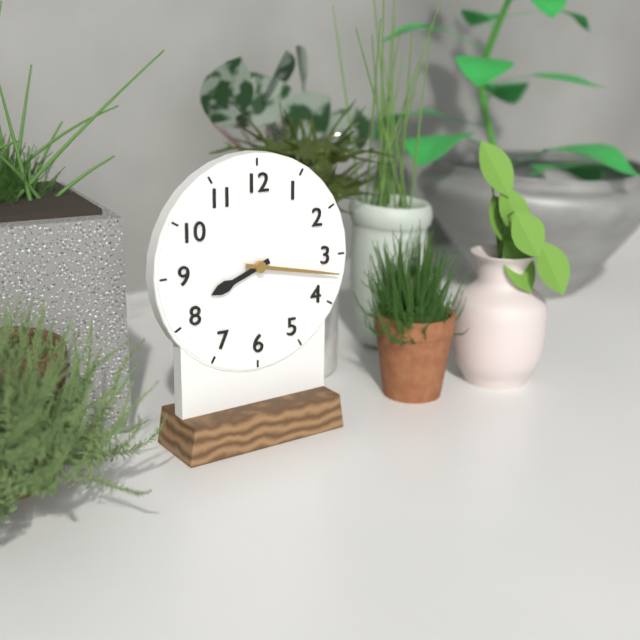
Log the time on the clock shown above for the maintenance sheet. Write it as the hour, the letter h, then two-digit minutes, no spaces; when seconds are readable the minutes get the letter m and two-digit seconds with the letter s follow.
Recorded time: 8h17
